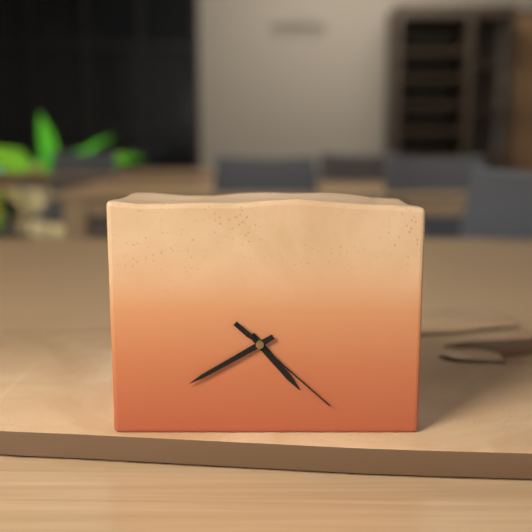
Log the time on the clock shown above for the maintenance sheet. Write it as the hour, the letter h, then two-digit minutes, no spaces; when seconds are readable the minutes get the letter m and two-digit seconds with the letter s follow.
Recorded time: 4h40m22s
